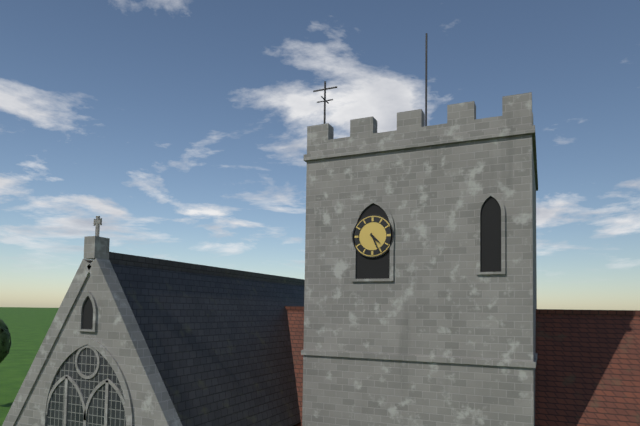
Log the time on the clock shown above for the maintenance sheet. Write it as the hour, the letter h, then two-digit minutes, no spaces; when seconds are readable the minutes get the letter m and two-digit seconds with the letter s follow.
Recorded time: 4h26
